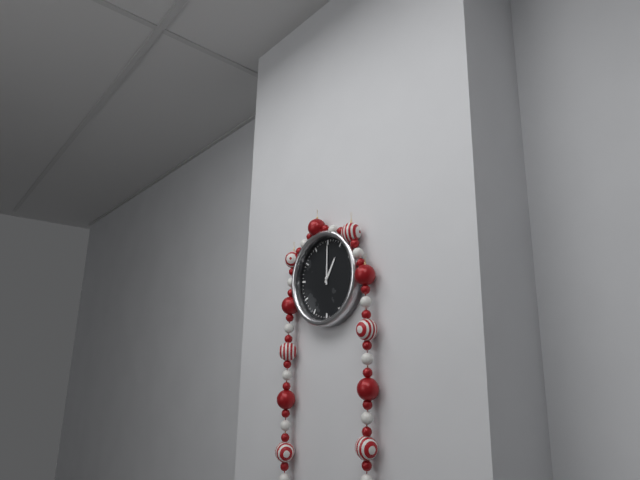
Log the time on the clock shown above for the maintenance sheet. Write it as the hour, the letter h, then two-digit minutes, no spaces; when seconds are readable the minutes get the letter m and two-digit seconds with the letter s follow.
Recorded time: 1h00
